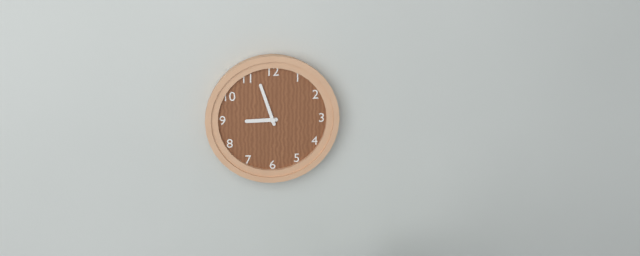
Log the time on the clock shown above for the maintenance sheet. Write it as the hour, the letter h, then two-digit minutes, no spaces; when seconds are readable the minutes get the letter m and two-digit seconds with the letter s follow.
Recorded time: 8h57
